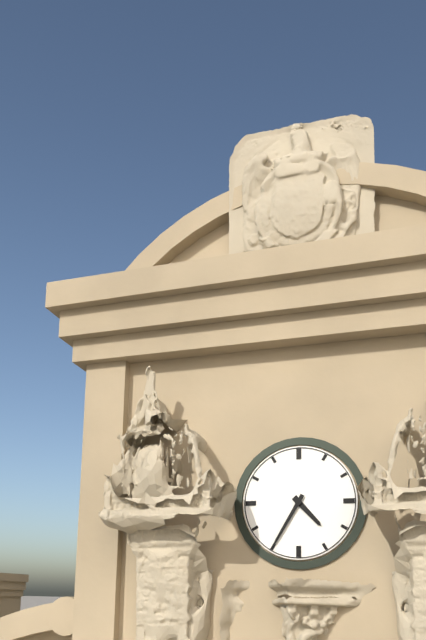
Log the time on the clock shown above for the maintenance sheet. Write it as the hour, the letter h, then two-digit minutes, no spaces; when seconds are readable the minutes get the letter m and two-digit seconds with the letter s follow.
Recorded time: 4h35
